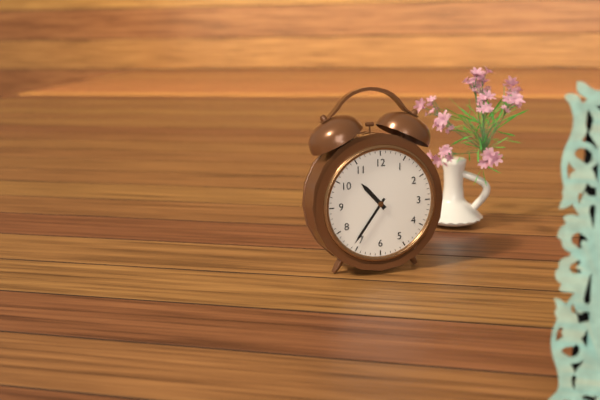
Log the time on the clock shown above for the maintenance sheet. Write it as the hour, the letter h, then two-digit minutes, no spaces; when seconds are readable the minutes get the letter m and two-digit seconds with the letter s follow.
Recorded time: 10h36
